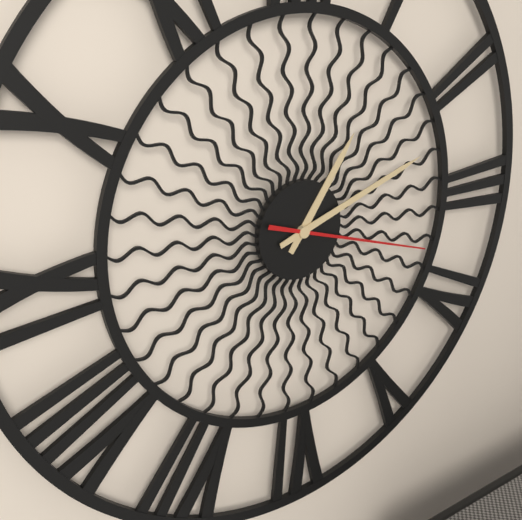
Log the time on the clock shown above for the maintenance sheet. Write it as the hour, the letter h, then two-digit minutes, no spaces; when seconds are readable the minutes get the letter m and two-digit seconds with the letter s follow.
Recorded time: 1h12m18s
